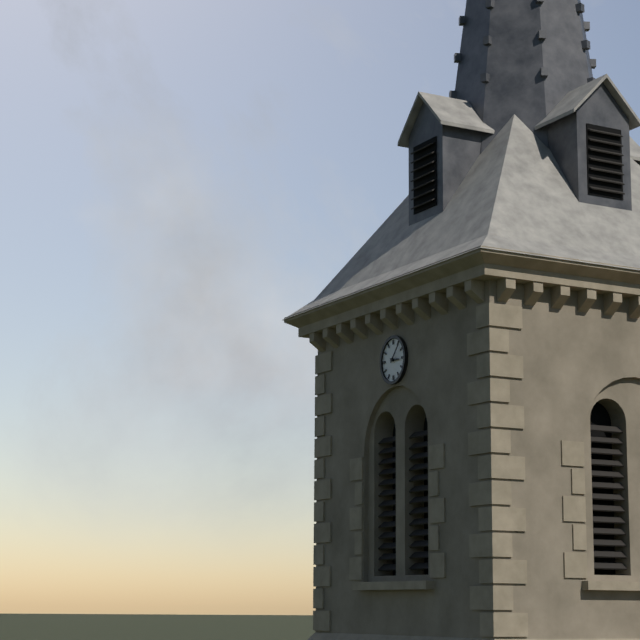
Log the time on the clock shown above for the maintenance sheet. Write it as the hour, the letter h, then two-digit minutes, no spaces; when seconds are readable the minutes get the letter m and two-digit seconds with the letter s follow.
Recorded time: 3h07
